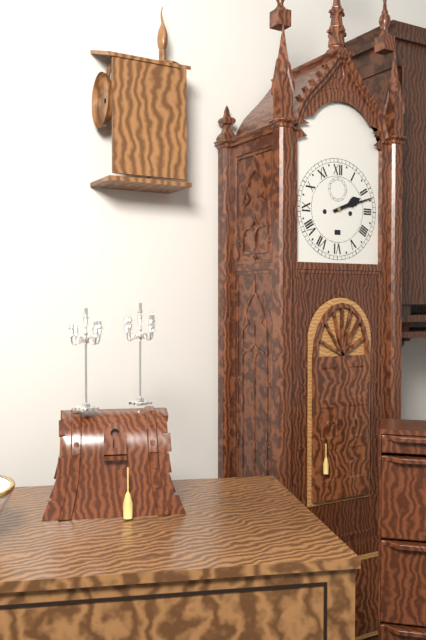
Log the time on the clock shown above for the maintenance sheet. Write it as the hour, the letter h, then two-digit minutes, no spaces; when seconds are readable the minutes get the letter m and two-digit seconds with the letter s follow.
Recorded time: 2h12
